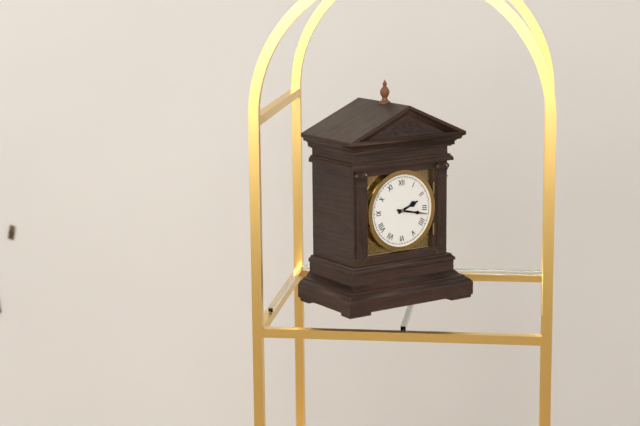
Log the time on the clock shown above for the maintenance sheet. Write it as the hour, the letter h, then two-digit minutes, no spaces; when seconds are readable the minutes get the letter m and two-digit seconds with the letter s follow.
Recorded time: 2h17
